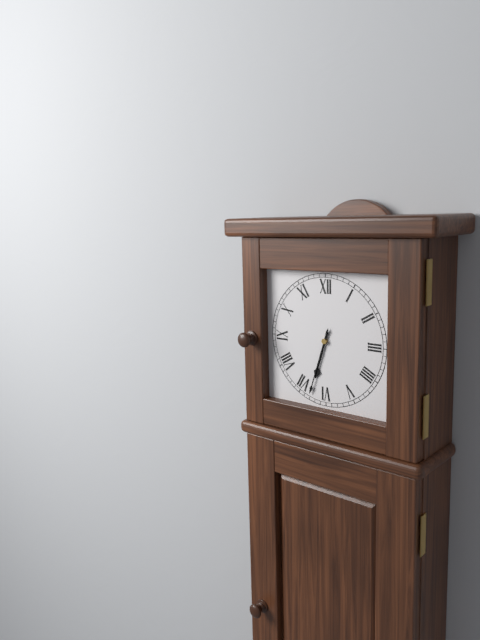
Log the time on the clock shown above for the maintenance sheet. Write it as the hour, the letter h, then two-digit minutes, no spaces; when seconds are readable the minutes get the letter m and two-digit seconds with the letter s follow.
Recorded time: 6h33
